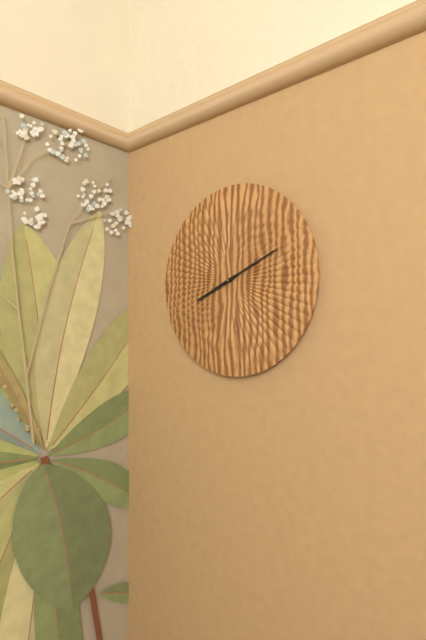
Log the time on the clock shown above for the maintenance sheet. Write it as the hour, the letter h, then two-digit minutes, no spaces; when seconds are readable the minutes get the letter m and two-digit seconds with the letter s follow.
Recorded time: 8h11
